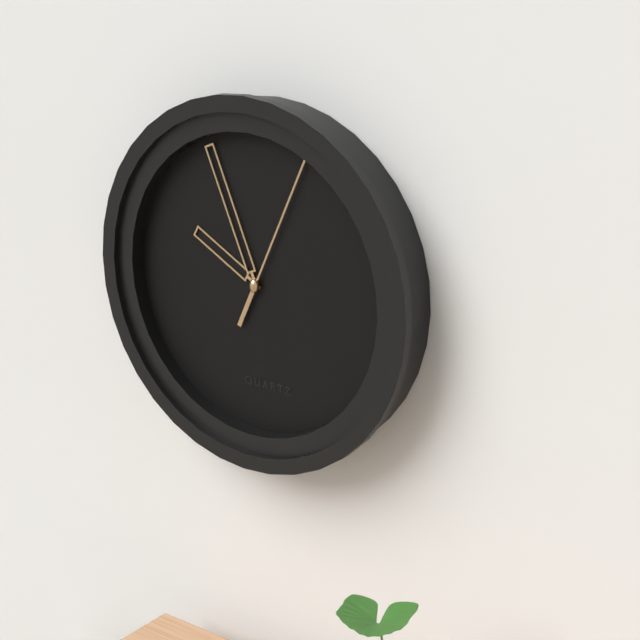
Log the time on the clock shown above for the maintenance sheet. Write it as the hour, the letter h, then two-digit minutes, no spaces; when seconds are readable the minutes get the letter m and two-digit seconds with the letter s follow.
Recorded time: 9h56m04s
